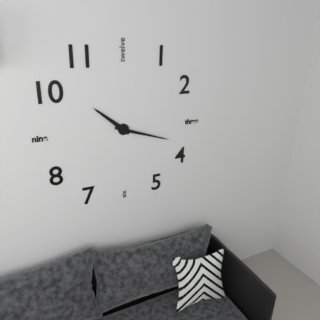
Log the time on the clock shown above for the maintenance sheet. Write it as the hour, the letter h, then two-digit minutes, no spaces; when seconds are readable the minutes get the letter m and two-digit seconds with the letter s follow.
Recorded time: 10h18
